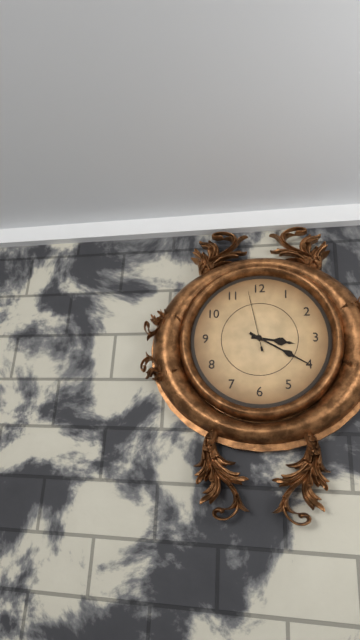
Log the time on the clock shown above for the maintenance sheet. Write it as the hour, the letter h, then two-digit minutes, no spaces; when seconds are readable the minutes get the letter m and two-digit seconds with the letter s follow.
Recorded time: 3h20m58s
